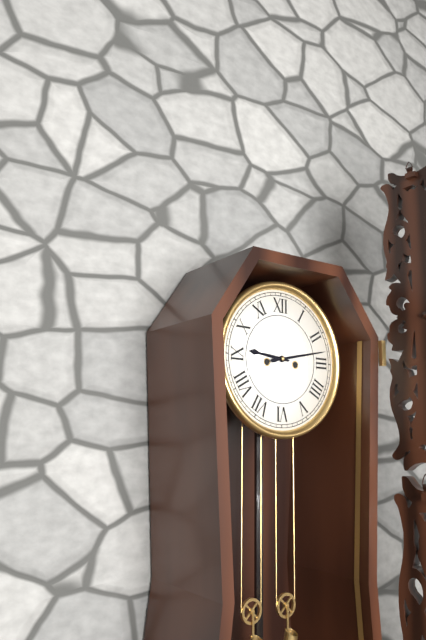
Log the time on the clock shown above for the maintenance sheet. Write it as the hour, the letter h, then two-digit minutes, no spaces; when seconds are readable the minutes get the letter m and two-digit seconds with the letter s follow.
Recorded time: 9h13
